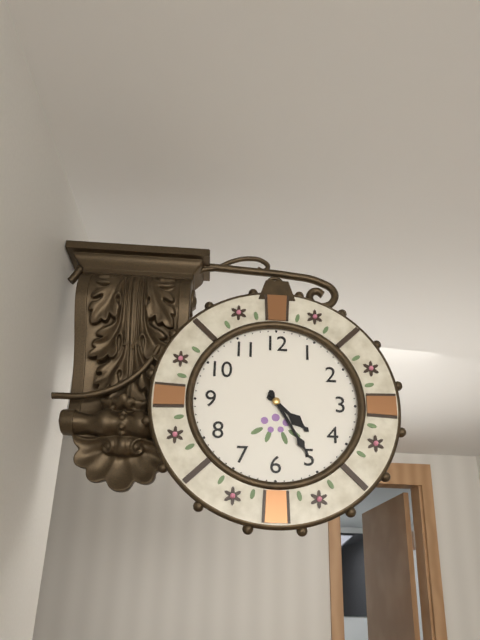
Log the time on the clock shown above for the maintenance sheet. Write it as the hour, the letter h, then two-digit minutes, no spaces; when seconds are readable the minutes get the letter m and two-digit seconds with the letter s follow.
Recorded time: 4h25
